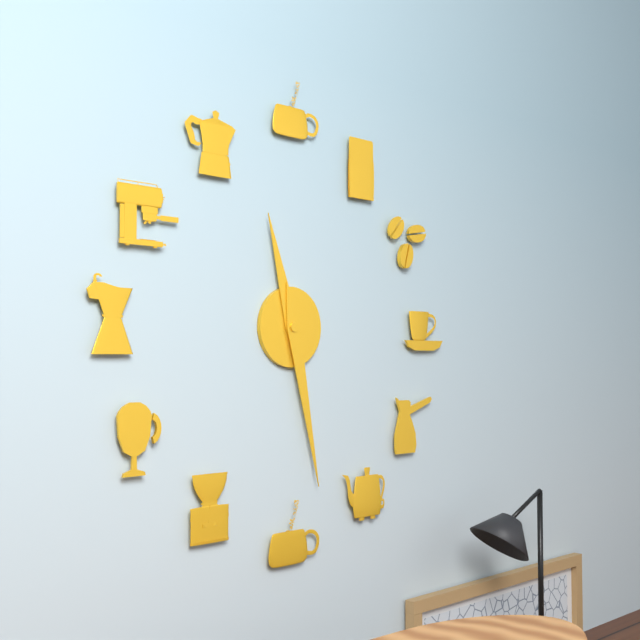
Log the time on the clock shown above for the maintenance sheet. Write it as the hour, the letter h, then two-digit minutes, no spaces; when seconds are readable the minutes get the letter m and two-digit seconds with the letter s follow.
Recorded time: 11h28
